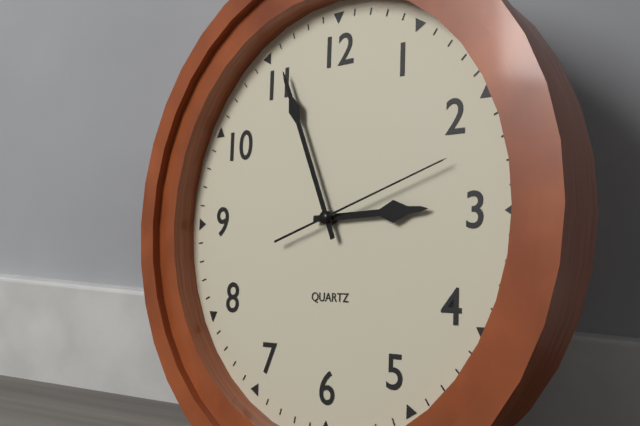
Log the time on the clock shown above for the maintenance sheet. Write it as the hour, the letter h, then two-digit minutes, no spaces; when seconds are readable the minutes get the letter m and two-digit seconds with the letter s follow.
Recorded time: 2h56m12s
